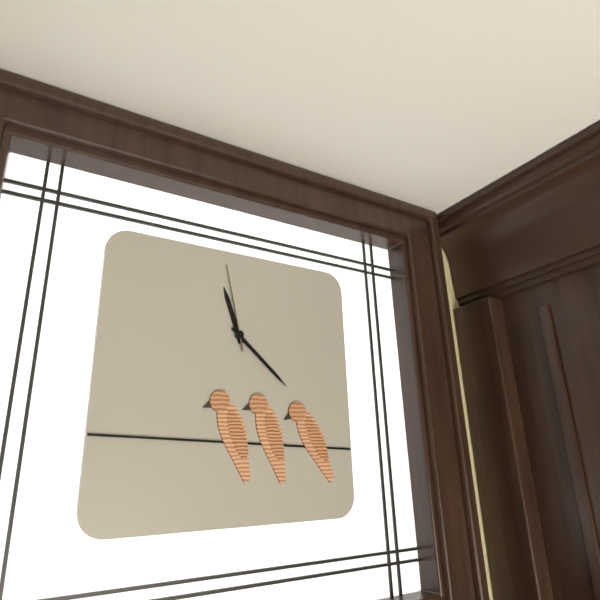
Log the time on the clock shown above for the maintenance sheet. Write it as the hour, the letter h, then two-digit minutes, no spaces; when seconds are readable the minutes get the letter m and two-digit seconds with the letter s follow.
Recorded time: 11h22m58s
